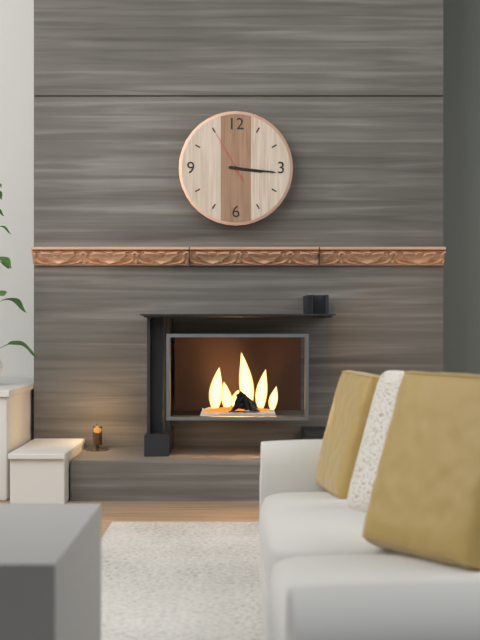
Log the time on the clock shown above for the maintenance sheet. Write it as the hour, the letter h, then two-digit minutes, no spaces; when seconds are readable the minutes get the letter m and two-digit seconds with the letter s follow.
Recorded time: 3h16m55s
